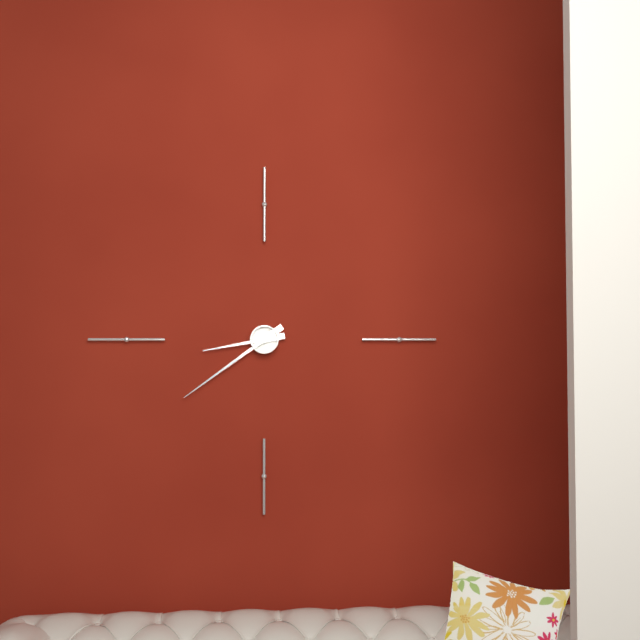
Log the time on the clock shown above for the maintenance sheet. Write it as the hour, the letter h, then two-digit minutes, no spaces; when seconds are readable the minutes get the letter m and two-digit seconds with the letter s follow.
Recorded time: 8h39
